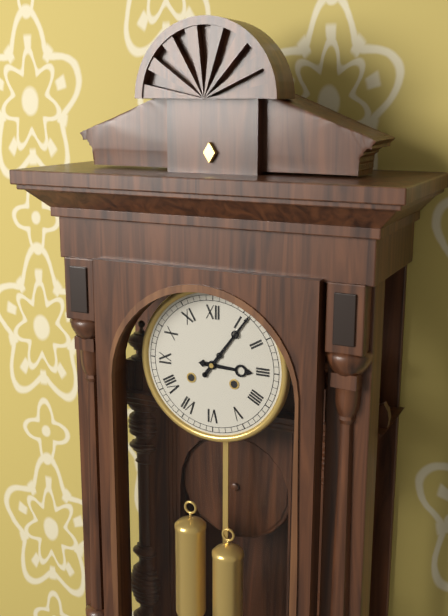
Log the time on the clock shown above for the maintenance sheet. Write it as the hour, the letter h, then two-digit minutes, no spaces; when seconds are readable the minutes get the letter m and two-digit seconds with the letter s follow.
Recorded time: 3h06
